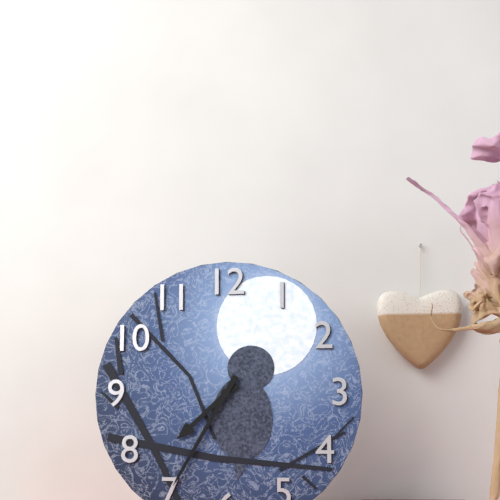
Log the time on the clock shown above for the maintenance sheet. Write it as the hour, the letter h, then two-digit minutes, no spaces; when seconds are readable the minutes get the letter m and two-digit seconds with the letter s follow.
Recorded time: 7h35
